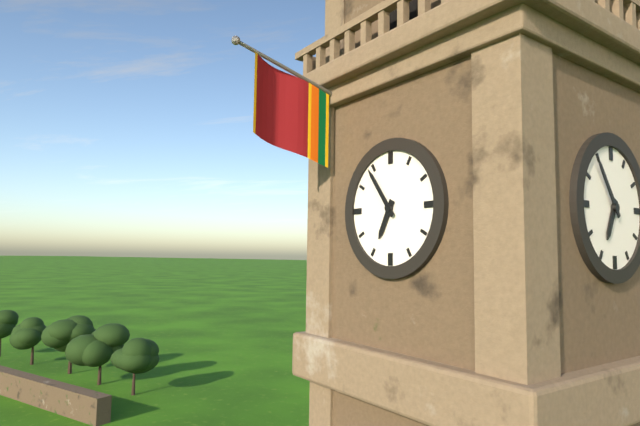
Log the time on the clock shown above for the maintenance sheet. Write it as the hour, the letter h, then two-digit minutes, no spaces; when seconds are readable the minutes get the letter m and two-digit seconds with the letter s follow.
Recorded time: 6h54
